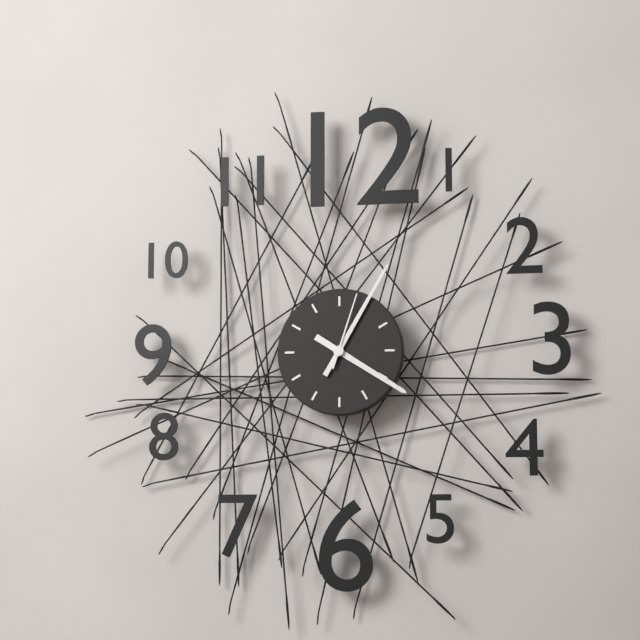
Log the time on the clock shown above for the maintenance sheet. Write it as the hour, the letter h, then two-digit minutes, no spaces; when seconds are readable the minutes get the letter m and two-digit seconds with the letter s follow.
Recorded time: 4h05m03s
